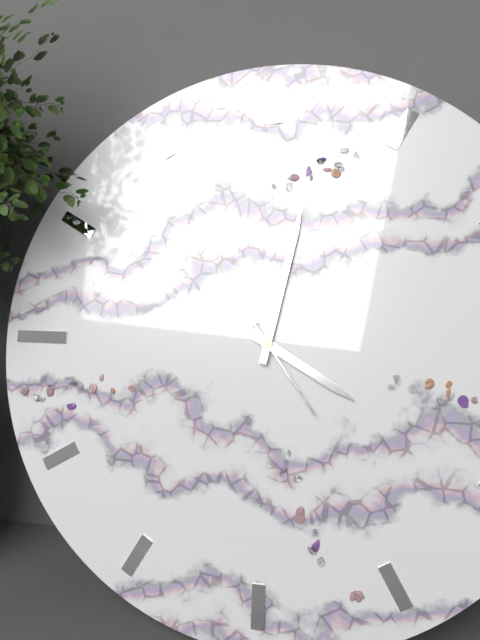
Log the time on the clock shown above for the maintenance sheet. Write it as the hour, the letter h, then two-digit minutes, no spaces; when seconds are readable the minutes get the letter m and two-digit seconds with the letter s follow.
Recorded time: 4h02m24s
